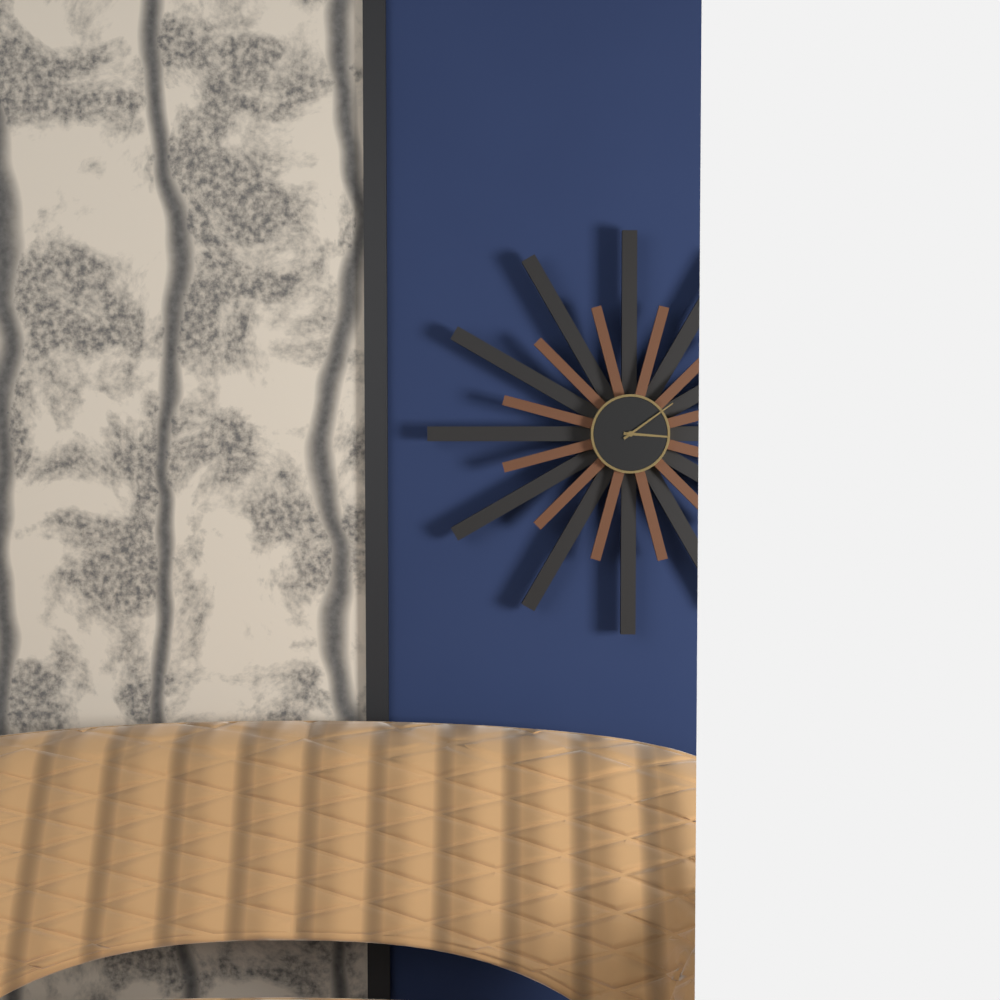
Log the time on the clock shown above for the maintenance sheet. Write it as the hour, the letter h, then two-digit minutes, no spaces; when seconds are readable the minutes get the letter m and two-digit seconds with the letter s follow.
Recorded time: 3h09
